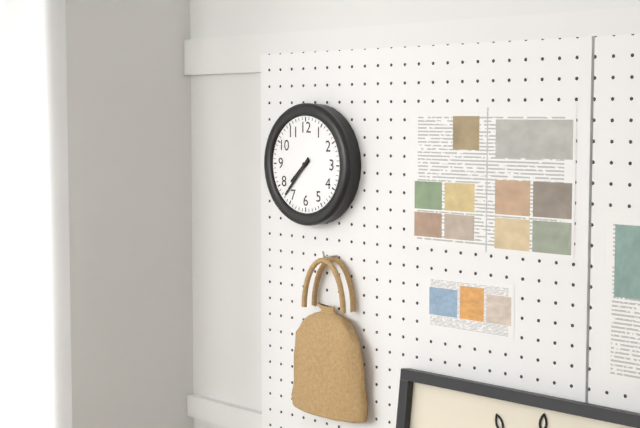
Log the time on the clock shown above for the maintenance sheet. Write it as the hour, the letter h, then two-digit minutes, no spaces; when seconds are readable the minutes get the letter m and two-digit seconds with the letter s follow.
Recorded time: 7h37
